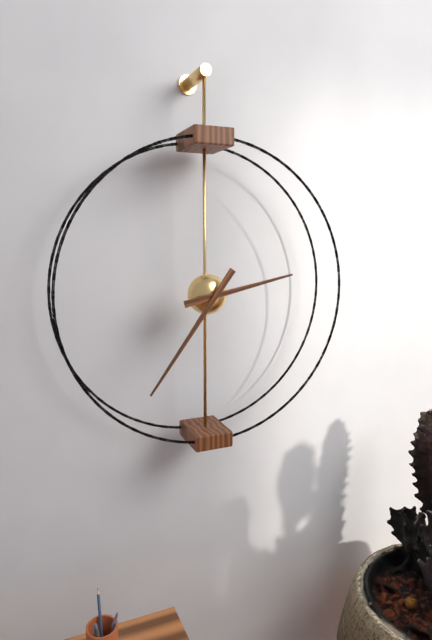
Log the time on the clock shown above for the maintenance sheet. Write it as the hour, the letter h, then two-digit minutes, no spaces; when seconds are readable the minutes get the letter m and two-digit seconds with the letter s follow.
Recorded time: 2h36
